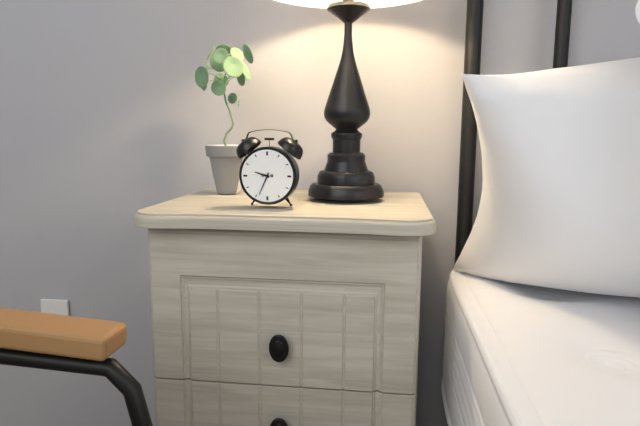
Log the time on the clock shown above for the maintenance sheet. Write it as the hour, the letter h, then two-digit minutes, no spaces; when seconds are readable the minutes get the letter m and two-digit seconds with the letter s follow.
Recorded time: 9h34
